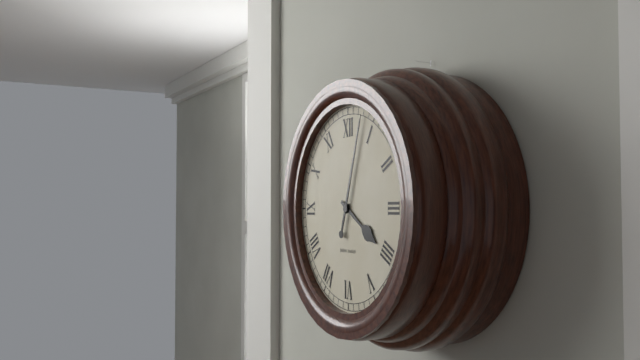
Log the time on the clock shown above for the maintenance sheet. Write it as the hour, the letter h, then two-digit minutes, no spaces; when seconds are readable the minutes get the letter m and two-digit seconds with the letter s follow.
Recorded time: 4h03
